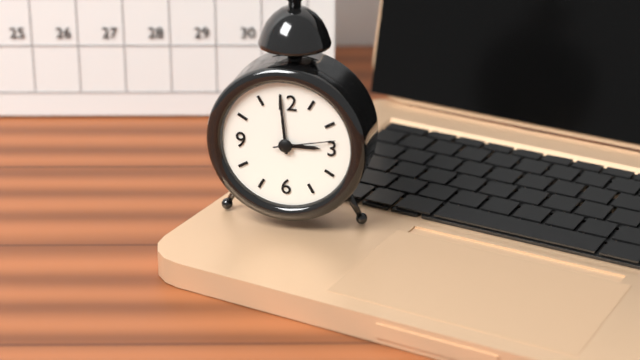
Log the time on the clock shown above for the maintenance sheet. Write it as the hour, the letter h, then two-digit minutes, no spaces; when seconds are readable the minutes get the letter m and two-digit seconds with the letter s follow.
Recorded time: 2h59m13s
